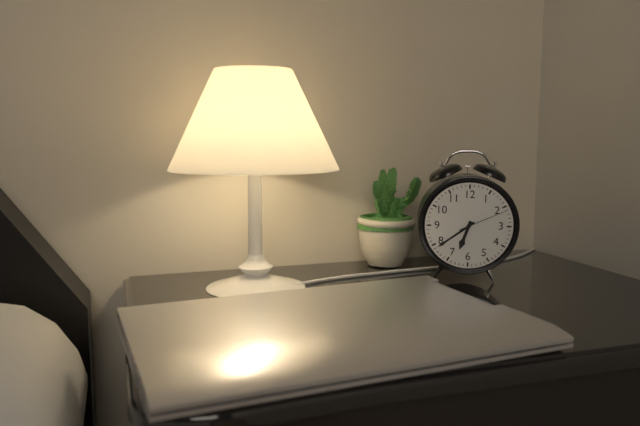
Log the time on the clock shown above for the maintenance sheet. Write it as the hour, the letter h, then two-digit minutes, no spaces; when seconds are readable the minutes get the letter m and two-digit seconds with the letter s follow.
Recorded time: 6h39m11s
